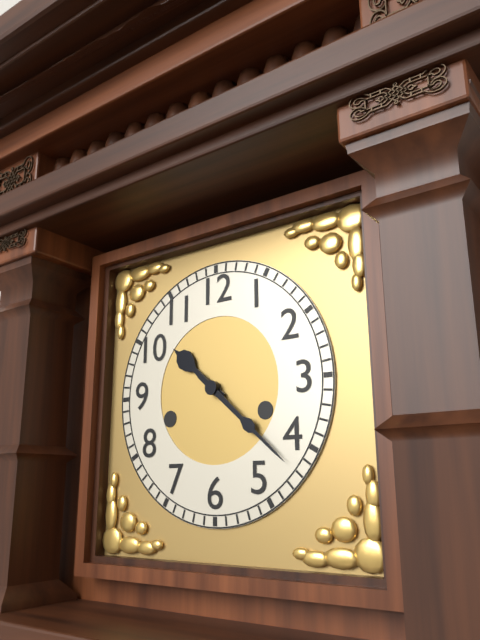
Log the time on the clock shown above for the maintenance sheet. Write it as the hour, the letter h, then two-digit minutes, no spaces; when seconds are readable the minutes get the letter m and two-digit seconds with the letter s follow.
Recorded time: 10h22
